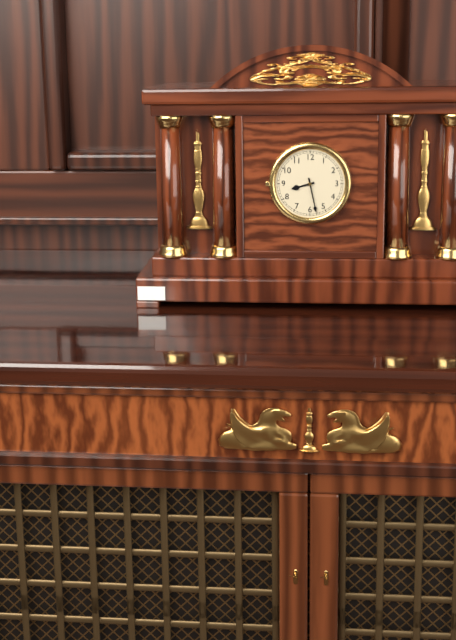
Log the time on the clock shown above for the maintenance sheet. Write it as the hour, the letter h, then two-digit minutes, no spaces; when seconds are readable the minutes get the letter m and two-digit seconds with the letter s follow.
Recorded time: 8h28
